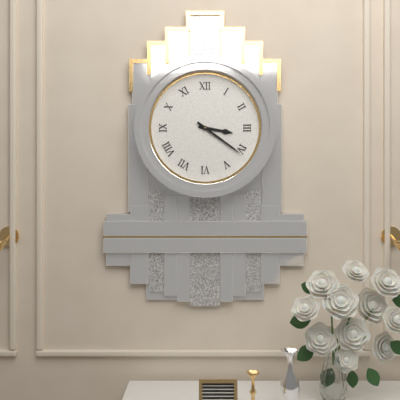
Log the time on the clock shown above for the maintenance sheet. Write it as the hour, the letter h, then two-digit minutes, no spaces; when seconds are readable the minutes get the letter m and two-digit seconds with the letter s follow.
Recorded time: 3h21
